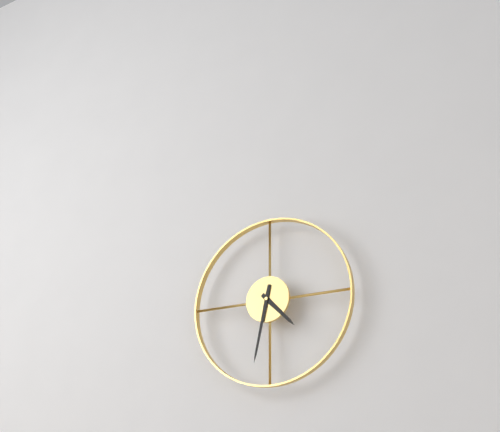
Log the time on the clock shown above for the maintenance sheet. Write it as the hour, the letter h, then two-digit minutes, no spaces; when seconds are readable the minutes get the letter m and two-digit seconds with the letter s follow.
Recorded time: 4h32
